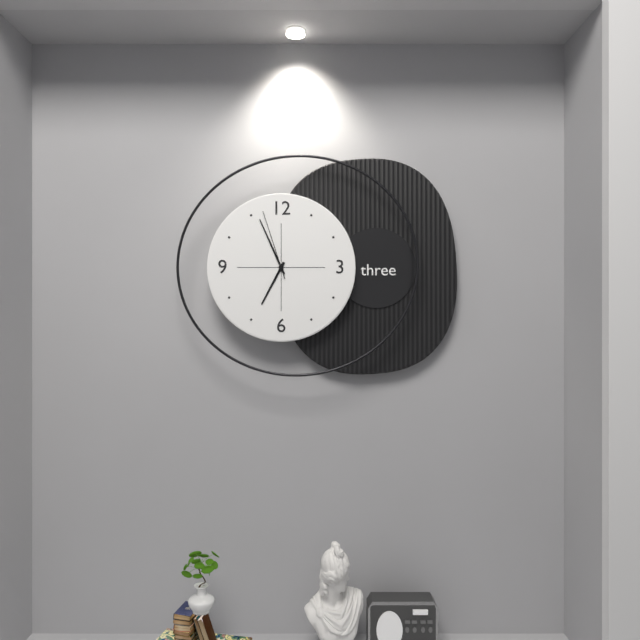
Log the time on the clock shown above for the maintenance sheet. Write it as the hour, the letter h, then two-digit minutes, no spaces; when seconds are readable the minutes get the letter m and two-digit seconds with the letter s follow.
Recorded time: 6h56m57s
